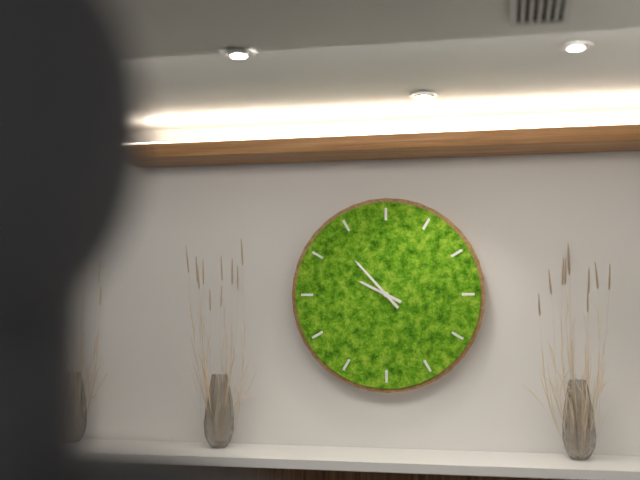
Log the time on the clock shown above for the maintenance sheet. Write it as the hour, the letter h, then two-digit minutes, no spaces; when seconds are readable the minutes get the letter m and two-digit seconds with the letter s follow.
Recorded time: 9h53
